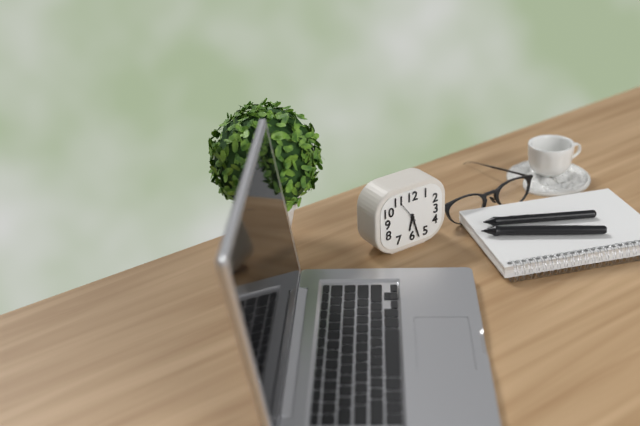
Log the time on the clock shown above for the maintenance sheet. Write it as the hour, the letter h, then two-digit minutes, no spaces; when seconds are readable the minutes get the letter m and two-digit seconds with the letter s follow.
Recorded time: 6h27
